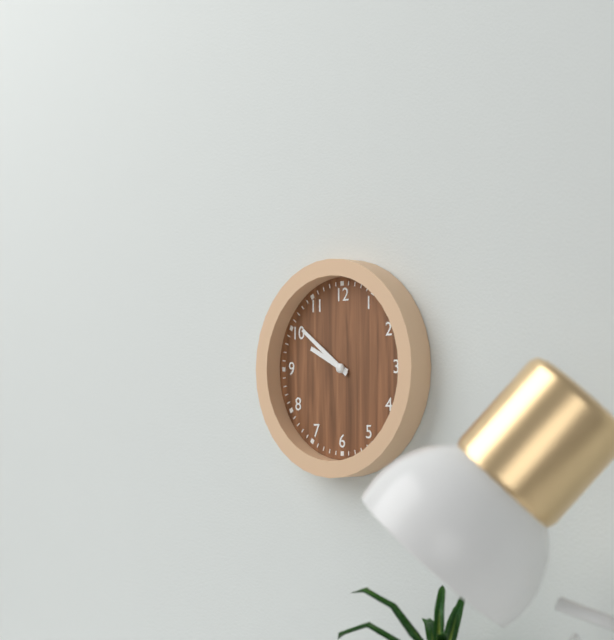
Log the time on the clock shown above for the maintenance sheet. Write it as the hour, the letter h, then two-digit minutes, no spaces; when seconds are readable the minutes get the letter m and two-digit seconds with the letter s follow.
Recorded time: 9h51
